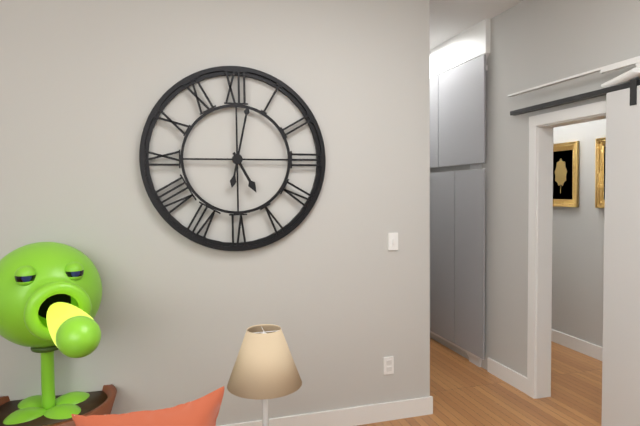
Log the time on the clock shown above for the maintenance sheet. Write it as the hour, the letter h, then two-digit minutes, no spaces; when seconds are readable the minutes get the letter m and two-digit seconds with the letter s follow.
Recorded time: 5h02
